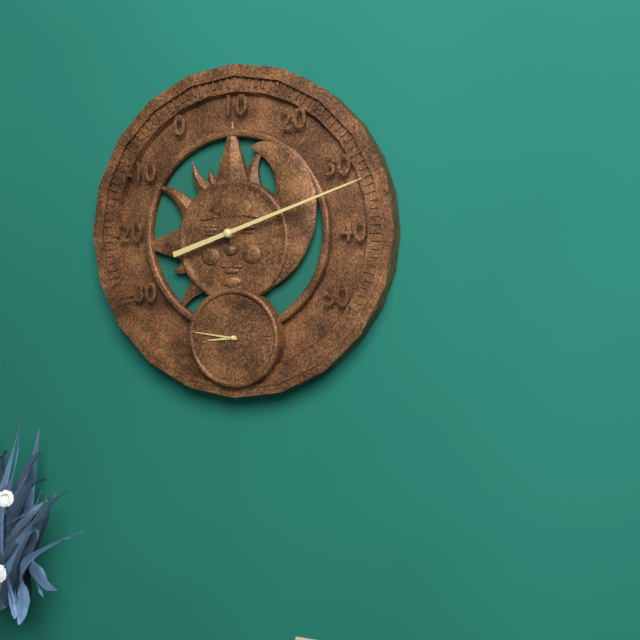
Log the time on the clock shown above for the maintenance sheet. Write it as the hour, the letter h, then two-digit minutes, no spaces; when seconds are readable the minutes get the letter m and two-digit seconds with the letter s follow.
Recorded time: 8h46
